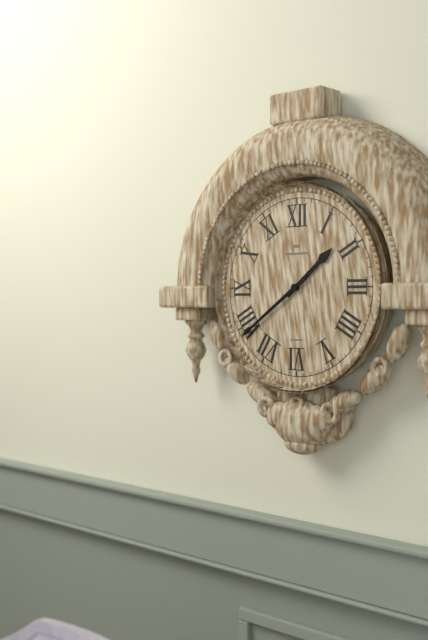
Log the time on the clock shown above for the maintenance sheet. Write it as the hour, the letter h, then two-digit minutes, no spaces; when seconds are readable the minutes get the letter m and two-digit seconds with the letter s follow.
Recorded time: 1h39
